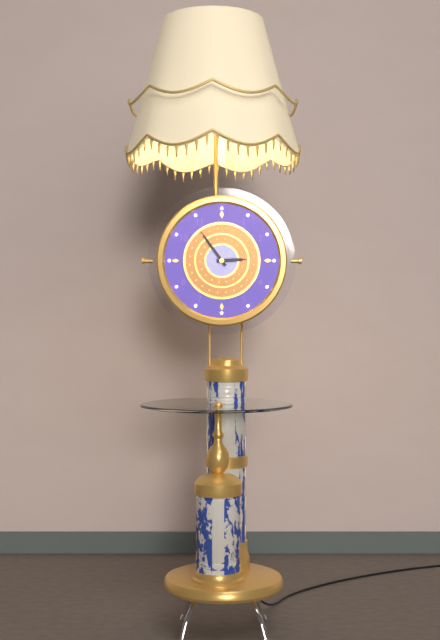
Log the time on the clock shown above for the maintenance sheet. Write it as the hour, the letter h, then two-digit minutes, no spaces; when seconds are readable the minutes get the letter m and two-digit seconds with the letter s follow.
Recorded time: 2h54
